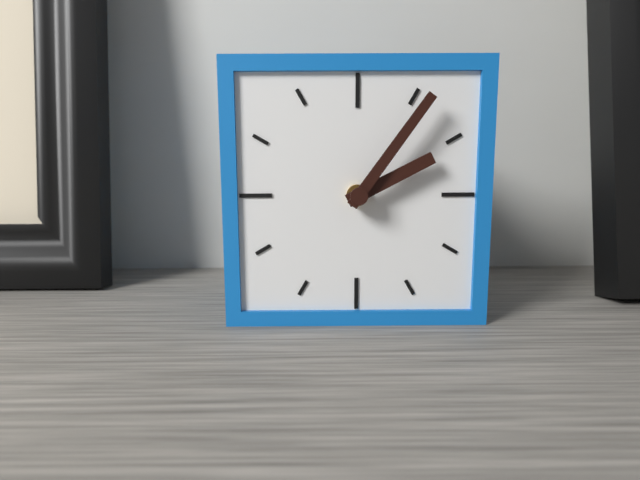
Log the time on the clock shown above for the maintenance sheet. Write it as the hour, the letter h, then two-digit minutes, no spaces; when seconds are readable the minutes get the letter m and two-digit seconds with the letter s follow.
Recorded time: 2h06
